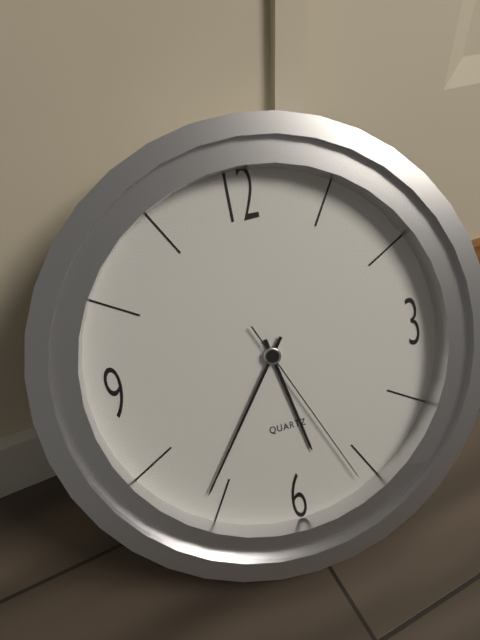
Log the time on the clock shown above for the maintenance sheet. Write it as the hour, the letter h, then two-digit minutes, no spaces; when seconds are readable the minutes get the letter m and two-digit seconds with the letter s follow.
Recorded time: 5h36m26s
